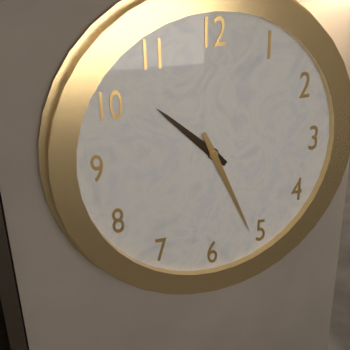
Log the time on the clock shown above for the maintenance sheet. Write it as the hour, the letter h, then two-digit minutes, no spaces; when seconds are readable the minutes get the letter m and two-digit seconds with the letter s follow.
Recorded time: 10h26
